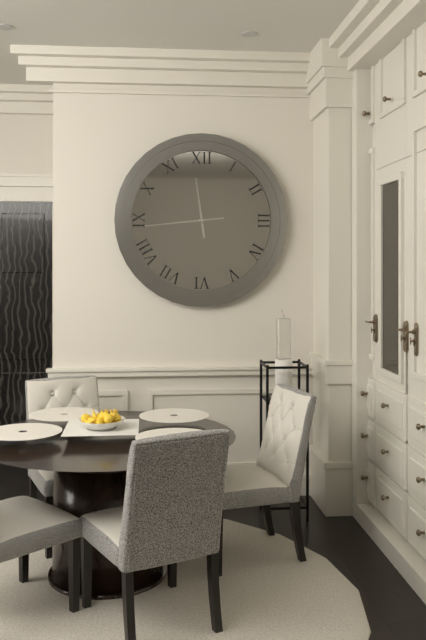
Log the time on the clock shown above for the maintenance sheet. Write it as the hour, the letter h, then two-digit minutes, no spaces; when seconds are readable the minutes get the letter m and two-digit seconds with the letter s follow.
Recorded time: 11h44
